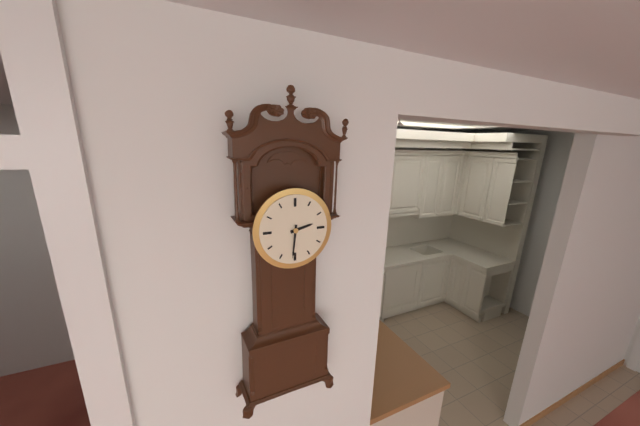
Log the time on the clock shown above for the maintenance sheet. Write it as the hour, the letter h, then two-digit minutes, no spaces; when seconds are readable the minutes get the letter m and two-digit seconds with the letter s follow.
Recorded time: 2h31
